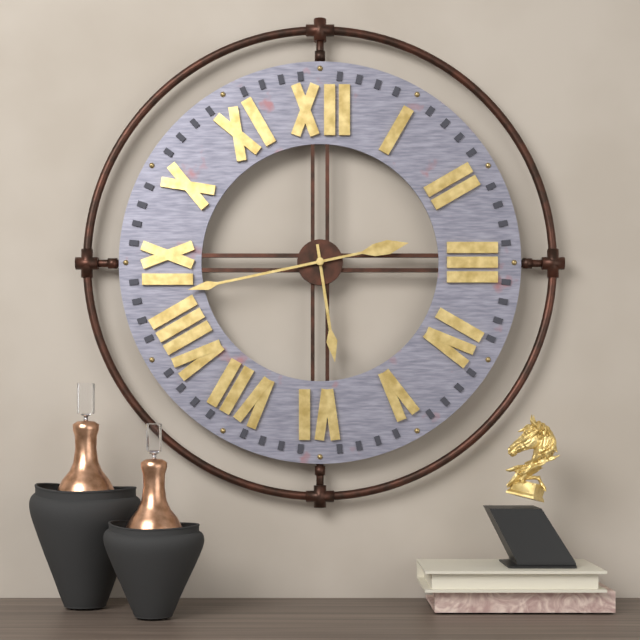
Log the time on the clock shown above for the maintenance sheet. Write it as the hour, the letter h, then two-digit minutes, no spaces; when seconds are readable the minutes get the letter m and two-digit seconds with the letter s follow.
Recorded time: 5h43
